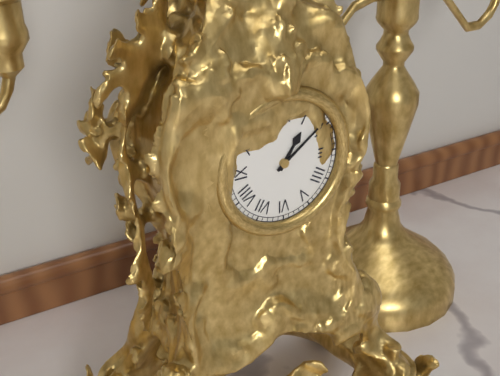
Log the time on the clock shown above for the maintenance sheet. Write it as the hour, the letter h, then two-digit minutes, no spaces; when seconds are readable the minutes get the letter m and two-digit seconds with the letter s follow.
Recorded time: 1h09
